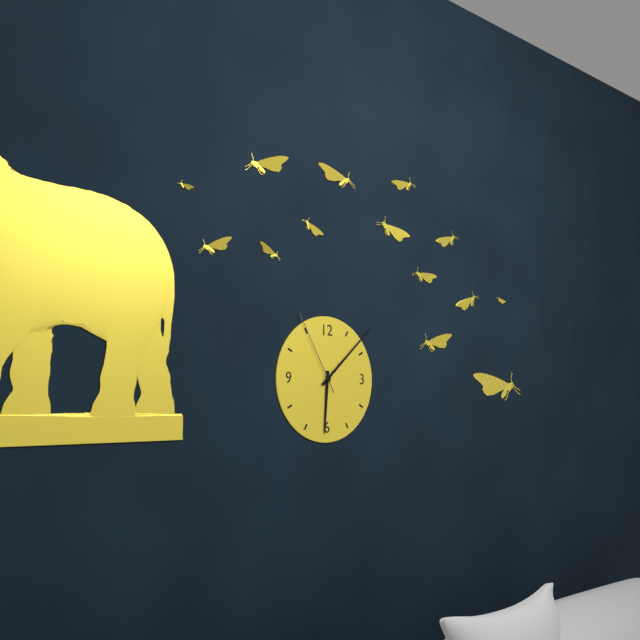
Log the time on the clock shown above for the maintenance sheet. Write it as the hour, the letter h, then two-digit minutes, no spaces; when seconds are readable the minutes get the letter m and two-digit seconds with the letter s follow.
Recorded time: 6h08m55s
